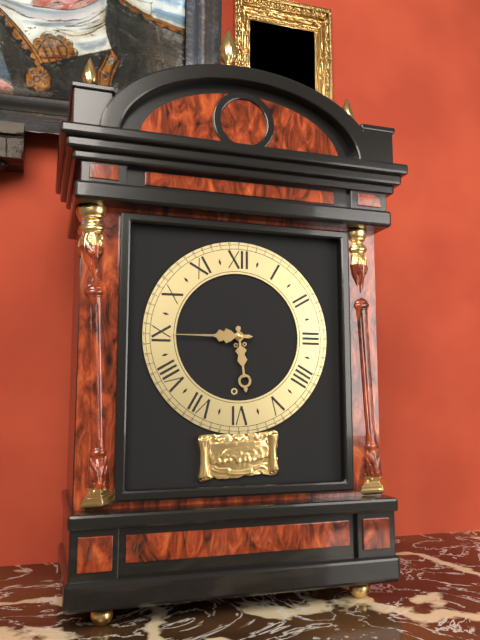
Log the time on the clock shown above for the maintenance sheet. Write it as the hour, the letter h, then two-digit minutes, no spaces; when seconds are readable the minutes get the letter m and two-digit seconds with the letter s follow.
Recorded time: 5h45
